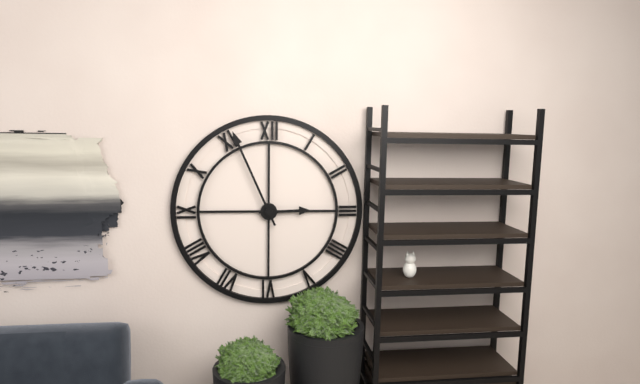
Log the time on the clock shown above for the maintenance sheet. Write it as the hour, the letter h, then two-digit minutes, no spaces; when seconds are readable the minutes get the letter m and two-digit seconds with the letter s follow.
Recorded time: 2h56
